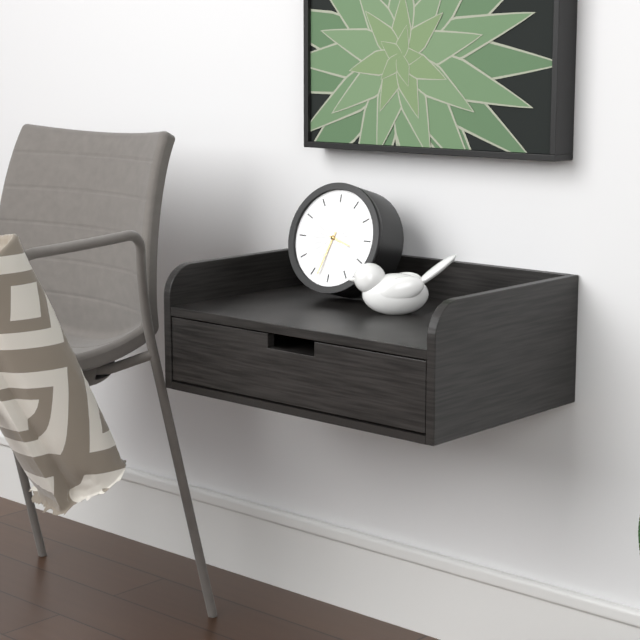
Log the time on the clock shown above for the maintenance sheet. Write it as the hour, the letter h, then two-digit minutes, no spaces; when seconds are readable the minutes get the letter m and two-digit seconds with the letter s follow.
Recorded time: 3h33
